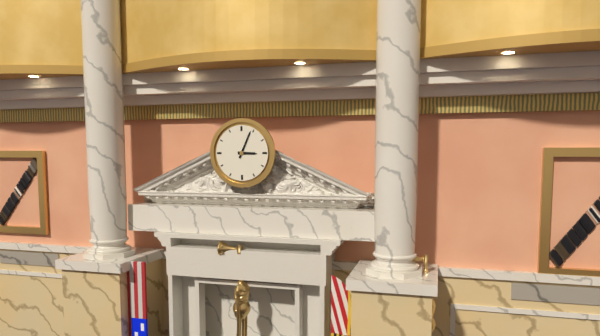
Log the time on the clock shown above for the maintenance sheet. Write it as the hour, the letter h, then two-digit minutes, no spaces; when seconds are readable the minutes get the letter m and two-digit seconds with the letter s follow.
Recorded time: 3h04
